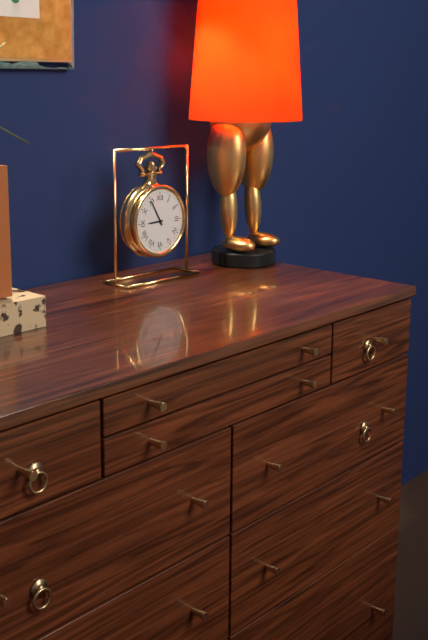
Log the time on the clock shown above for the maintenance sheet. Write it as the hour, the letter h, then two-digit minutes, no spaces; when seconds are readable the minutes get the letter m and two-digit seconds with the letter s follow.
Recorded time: 8h55
